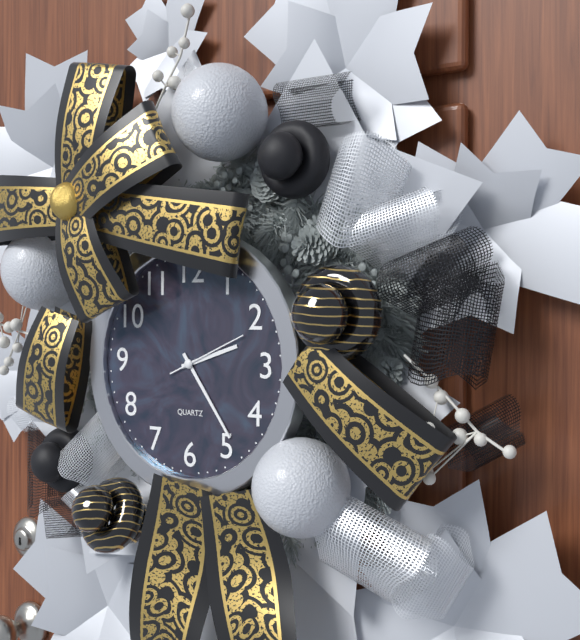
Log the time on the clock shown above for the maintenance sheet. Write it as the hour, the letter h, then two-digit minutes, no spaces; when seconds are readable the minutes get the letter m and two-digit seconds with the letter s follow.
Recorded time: 2h24m11s
